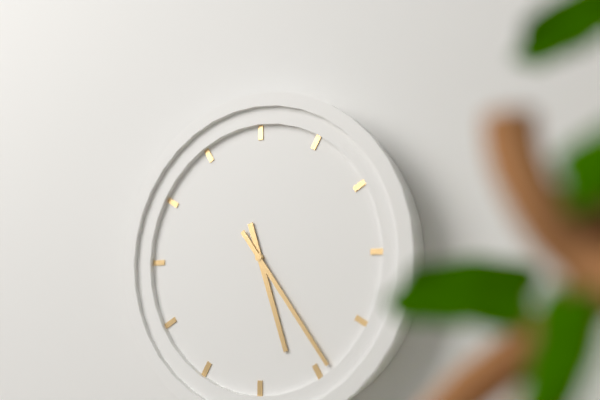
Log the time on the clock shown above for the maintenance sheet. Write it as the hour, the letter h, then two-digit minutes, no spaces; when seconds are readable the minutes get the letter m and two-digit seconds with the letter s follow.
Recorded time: 5h24
